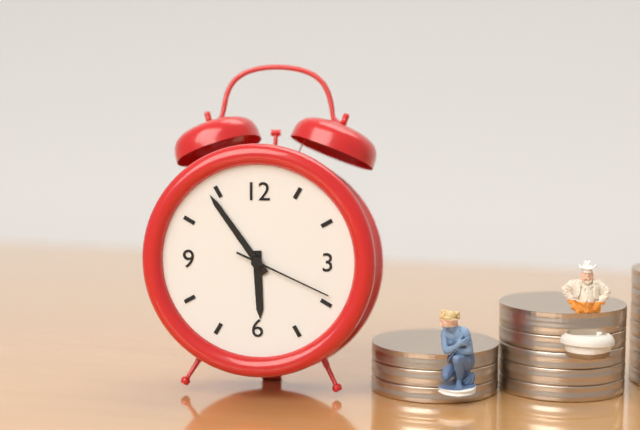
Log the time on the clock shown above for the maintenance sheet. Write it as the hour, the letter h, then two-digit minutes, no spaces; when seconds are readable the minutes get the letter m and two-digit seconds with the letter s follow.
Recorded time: 5h54m19s
